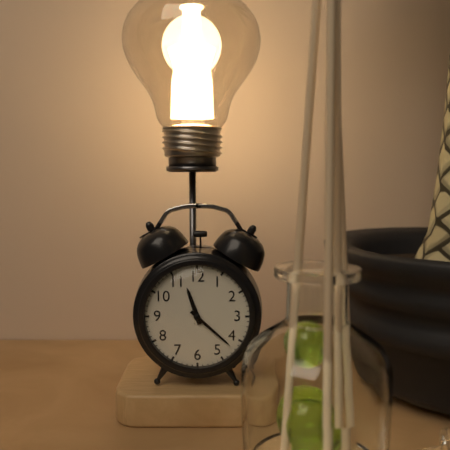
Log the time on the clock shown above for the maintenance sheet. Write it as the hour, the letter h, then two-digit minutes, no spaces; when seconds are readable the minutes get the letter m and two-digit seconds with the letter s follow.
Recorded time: 11h22
